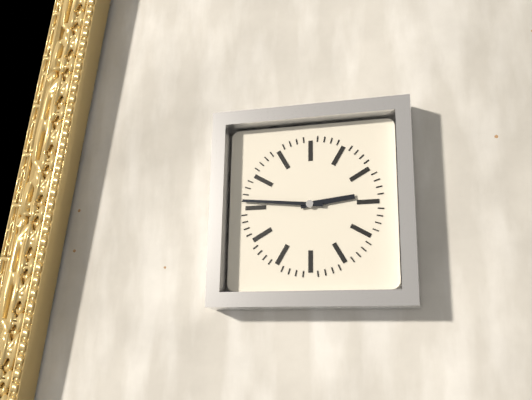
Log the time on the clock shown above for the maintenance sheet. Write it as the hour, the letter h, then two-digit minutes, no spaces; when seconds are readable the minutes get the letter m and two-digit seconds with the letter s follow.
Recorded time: 2h46
